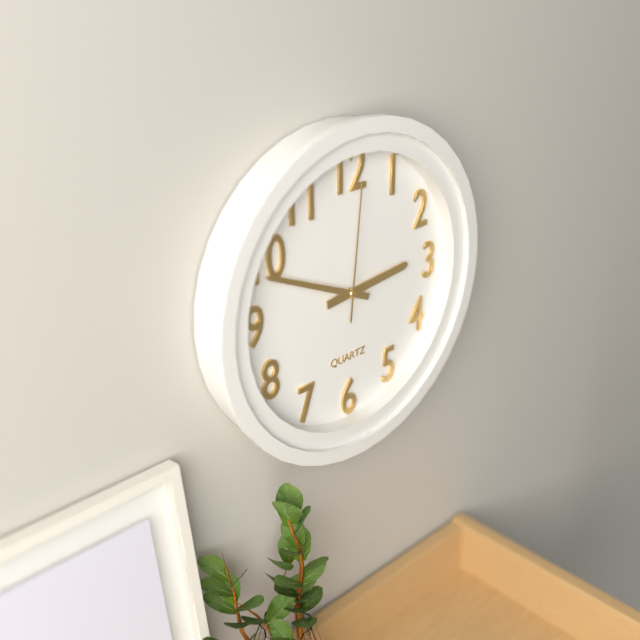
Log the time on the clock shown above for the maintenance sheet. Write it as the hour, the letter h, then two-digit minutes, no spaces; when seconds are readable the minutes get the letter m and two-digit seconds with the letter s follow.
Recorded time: 2h49m01s
